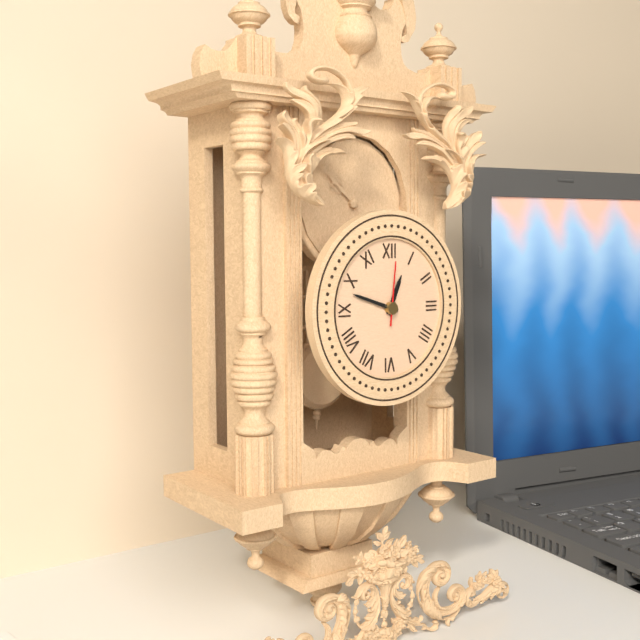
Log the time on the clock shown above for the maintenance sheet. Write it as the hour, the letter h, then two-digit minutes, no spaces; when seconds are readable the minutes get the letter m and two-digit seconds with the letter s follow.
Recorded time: 12h48m01s
